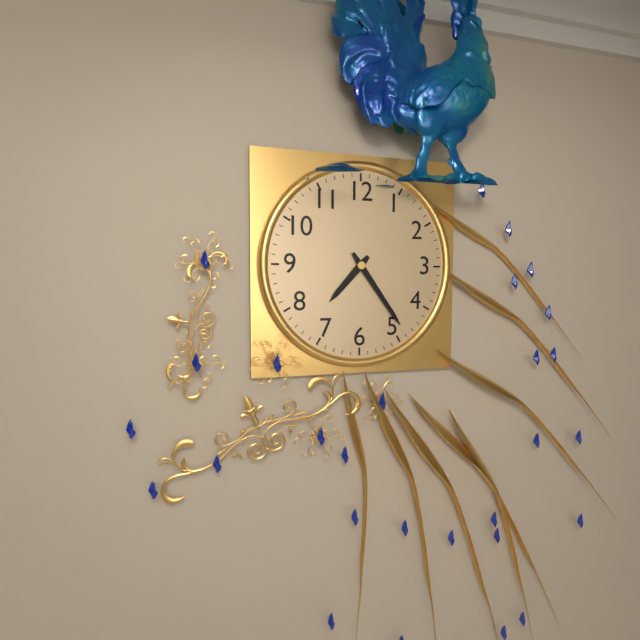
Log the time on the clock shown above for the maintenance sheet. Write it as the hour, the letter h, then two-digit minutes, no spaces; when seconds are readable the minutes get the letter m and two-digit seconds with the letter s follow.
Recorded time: 7h24
